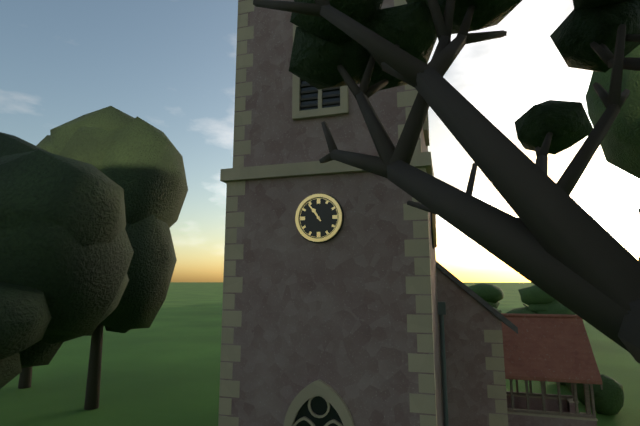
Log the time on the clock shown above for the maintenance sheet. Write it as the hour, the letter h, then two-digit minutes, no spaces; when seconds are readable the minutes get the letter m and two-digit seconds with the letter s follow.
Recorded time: 10h54
